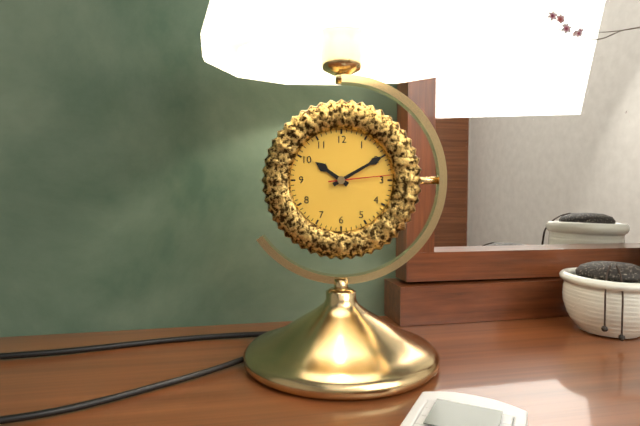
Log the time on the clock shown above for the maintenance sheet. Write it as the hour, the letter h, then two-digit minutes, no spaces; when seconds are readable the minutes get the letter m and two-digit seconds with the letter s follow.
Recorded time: 10h10m14s
